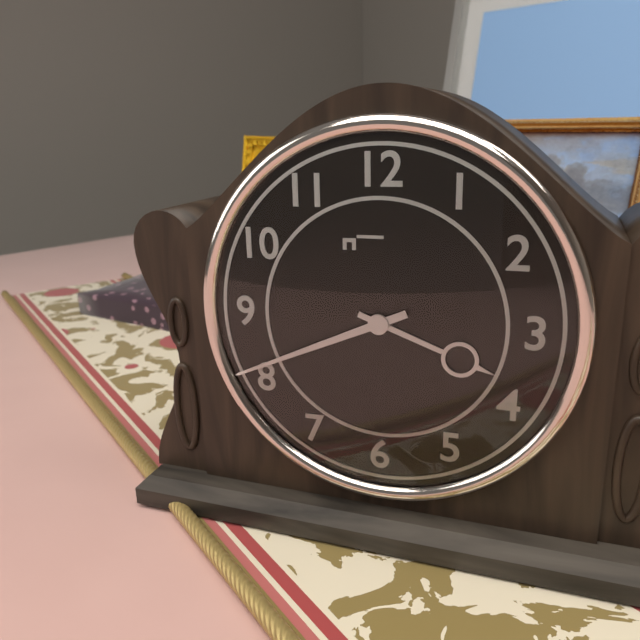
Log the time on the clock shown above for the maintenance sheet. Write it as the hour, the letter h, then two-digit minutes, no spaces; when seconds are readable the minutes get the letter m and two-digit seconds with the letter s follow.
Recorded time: 3h41
